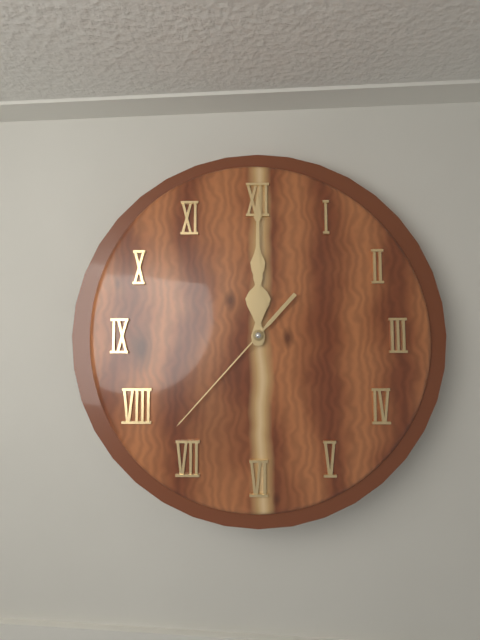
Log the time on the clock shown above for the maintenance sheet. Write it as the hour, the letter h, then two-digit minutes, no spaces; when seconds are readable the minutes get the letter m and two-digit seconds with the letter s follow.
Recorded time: 12h00m37s
